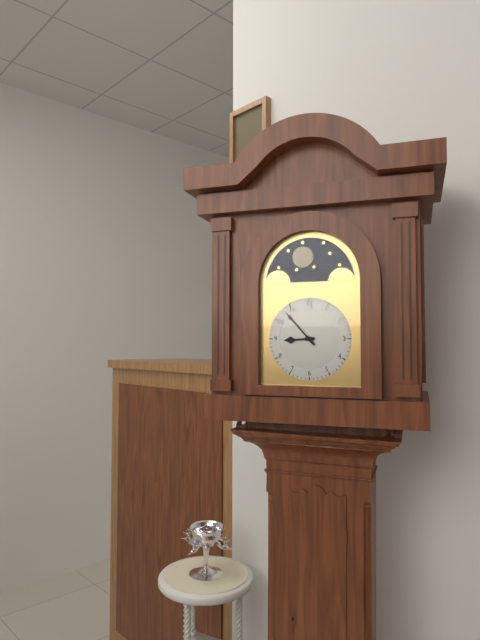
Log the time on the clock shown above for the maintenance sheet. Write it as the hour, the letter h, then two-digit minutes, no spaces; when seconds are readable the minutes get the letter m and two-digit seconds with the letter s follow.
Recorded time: 8h53
